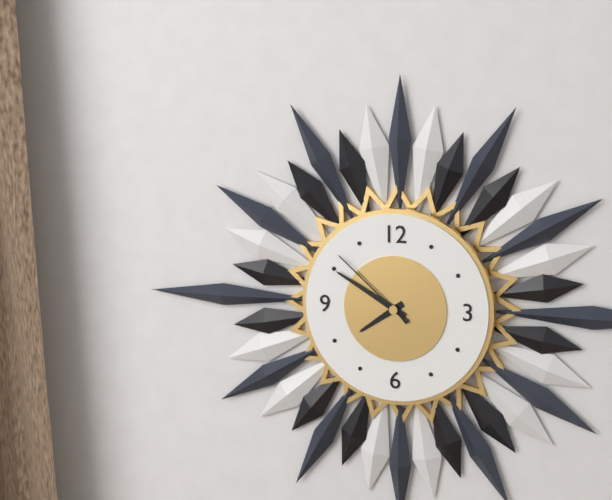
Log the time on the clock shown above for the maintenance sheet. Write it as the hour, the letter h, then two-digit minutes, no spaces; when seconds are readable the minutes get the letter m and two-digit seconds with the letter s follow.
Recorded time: 7h50m52s
